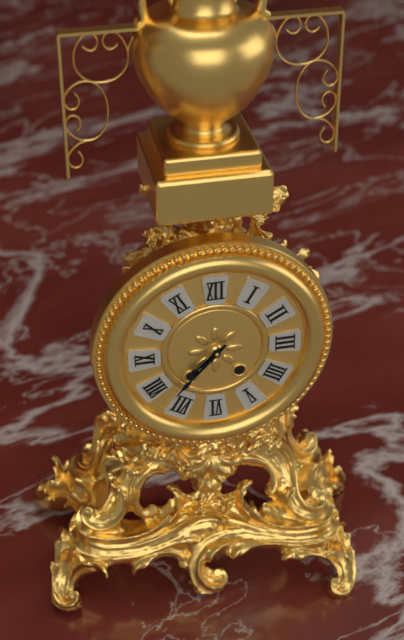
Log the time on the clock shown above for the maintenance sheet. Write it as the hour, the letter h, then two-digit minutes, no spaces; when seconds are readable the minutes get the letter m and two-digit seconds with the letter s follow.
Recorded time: 7h37
